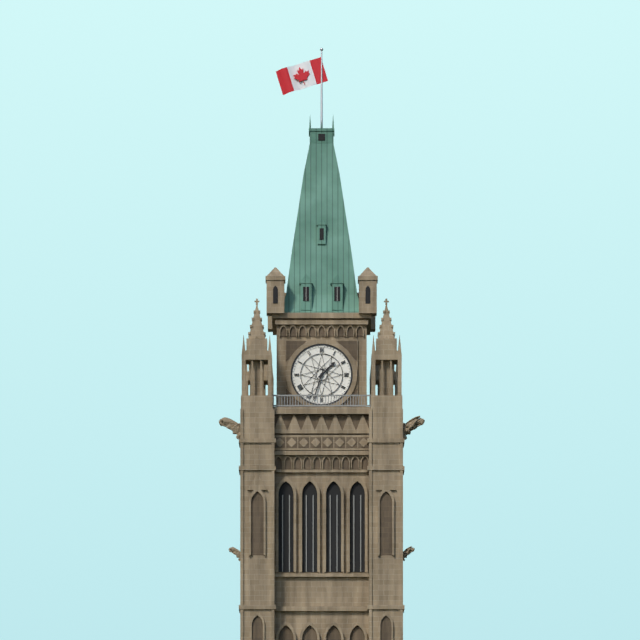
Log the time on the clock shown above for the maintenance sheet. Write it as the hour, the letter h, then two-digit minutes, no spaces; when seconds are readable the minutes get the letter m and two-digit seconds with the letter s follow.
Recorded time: 1h33
